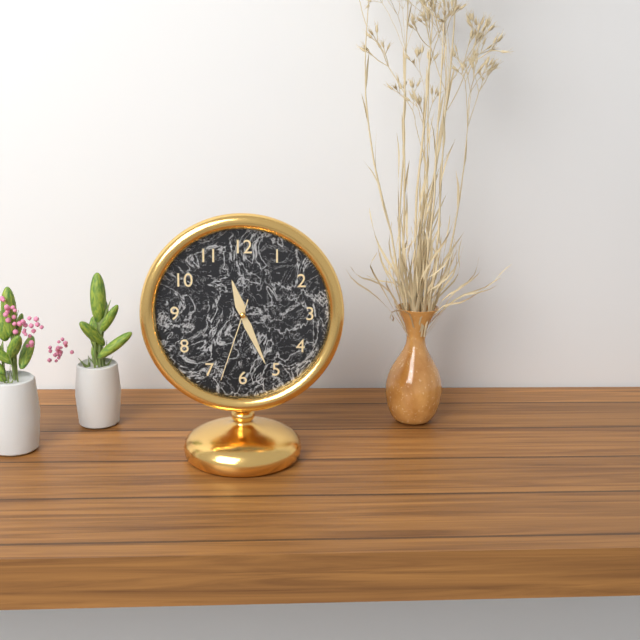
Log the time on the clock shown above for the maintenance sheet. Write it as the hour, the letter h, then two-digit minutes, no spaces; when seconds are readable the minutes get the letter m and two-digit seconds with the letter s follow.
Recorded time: 11h26m33s
